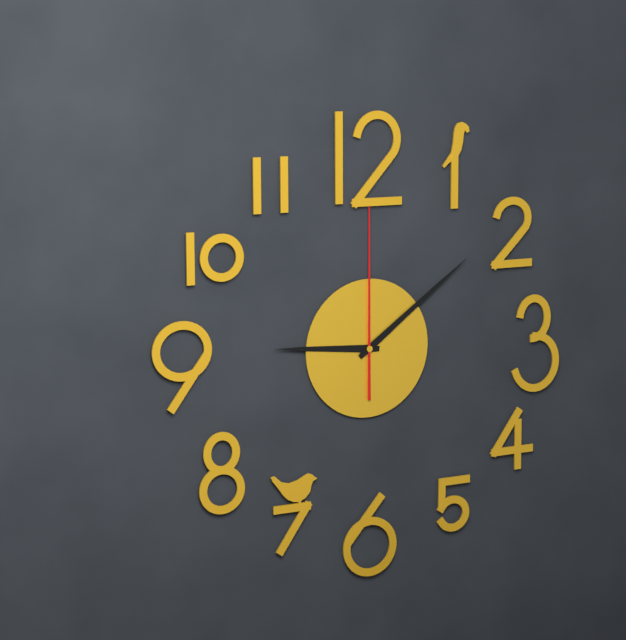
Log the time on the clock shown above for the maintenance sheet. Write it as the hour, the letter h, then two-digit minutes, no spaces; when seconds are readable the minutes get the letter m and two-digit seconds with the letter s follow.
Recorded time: 9h09m00s
